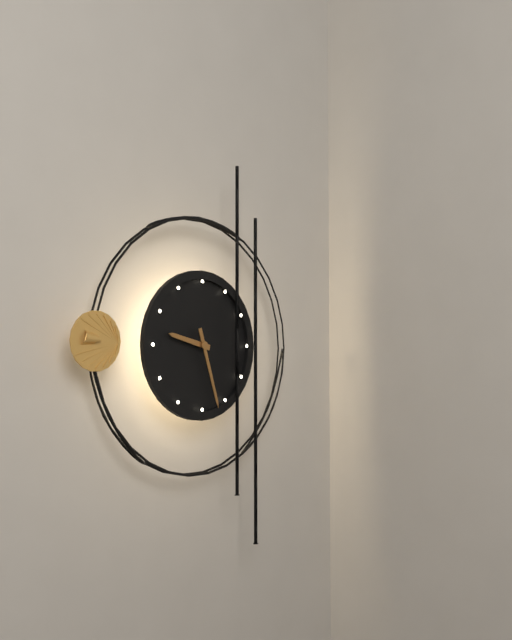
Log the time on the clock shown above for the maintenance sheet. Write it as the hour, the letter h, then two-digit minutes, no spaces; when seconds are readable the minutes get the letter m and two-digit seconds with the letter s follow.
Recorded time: 9h27
